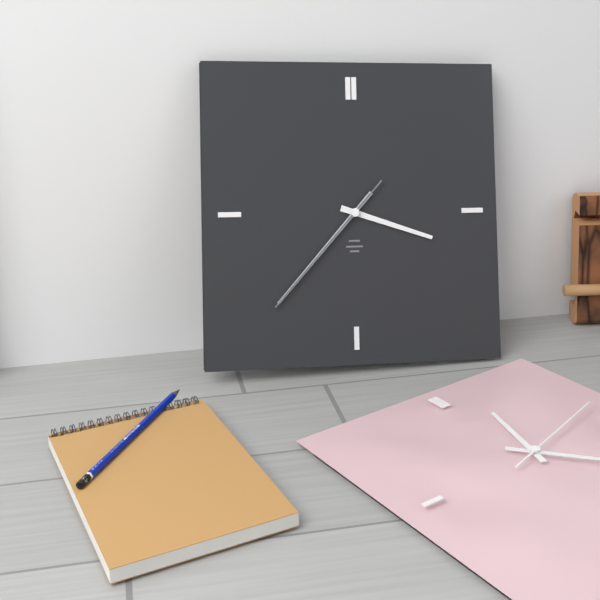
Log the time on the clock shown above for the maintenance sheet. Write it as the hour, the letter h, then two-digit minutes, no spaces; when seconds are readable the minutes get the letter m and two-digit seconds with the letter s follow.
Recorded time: 3h37m37s
